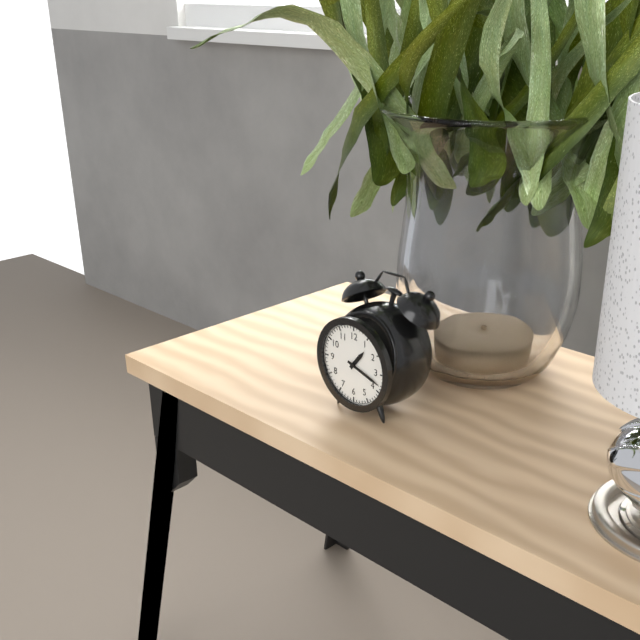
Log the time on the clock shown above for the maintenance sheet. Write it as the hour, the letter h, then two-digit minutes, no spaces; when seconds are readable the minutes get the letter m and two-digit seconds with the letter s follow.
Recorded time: 1h18
